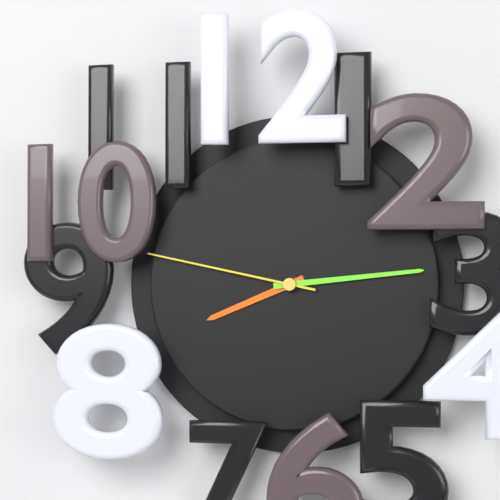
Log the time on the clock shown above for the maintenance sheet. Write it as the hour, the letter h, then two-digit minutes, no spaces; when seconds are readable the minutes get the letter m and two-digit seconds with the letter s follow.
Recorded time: 8h14m47s
